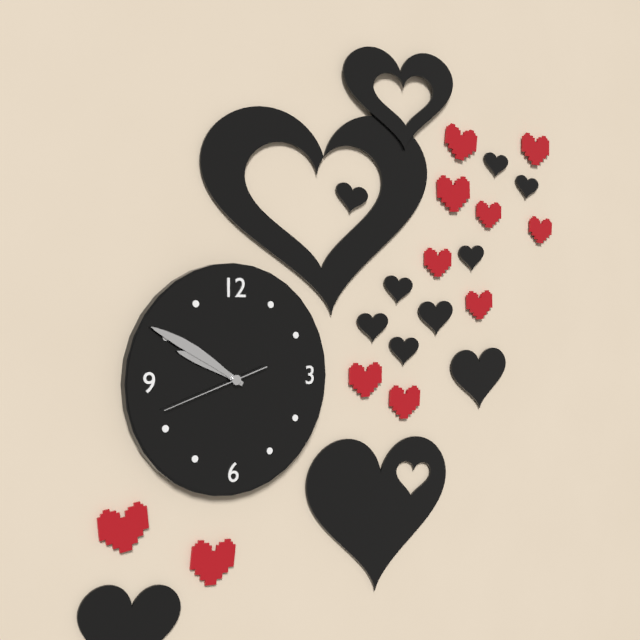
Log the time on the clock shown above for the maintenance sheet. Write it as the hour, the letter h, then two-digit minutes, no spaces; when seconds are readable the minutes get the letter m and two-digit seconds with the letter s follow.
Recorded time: 9h50m42s
